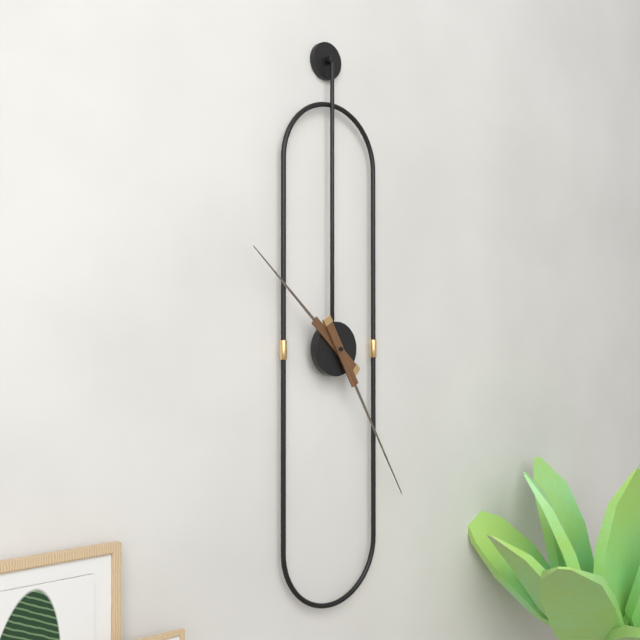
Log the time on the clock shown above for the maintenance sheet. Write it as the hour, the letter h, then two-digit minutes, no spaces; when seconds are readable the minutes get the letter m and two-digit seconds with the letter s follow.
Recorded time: 10h25
